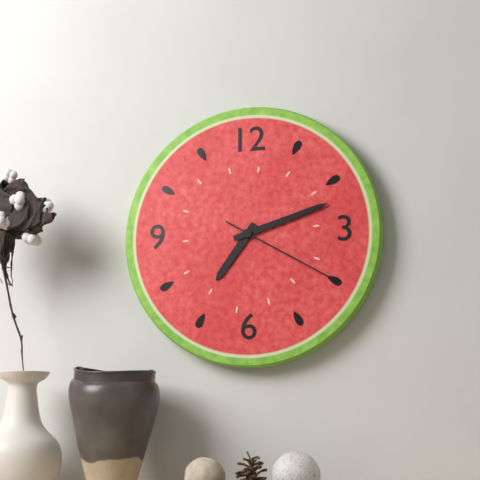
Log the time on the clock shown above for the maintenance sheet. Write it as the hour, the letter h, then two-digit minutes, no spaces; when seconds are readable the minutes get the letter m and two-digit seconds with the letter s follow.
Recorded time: 7h12m20s
